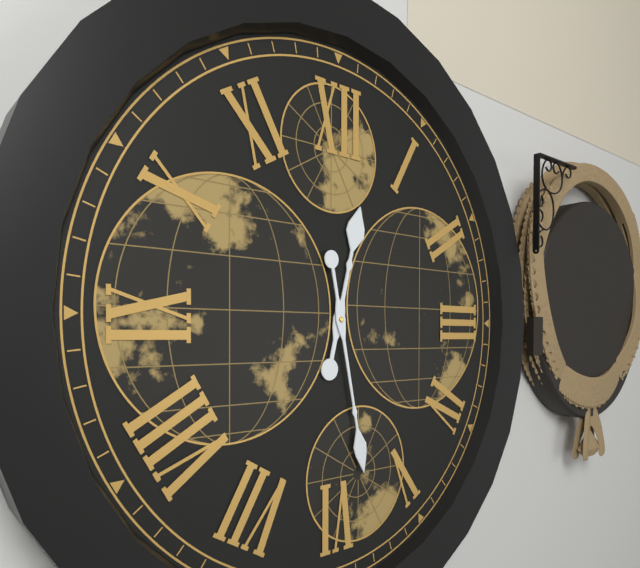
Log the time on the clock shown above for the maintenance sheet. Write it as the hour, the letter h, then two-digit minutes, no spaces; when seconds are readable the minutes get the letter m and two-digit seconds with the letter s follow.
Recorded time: 12h28
